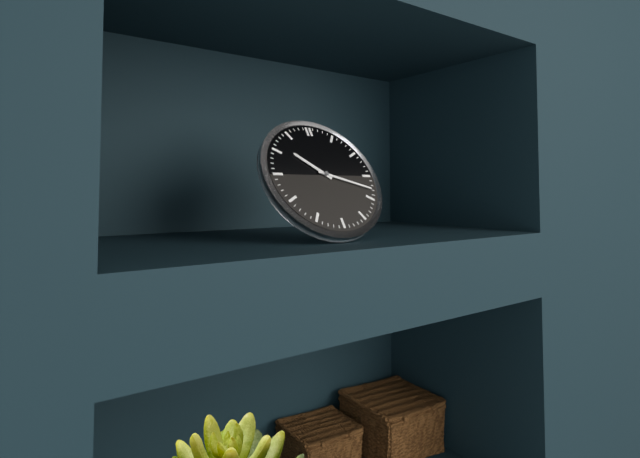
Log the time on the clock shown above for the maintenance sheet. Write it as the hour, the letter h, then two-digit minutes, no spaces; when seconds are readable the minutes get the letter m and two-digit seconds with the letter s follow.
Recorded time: 10h18
